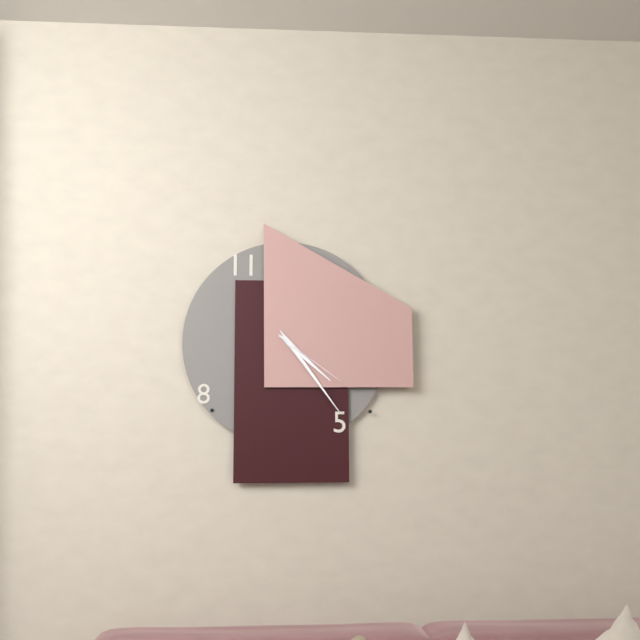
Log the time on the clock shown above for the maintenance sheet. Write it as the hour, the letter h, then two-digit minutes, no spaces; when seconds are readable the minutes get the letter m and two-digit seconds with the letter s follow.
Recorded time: 4h24m21s
